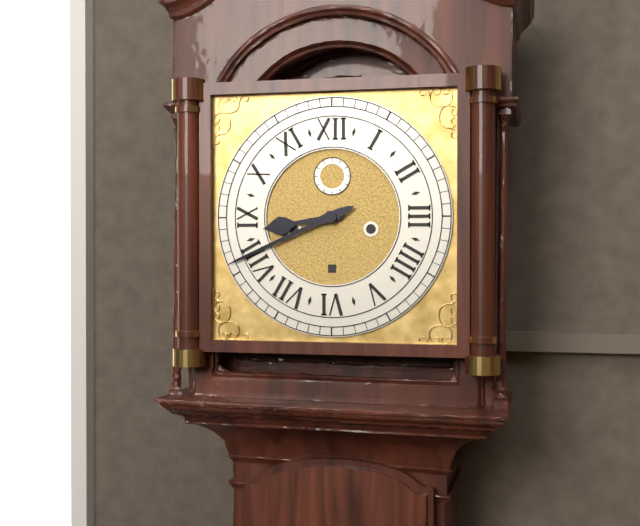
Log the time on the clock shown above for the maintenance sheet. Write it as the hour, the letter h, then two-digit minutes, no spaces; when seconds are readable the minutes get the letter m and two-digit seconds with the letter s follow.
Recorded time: 8h41
